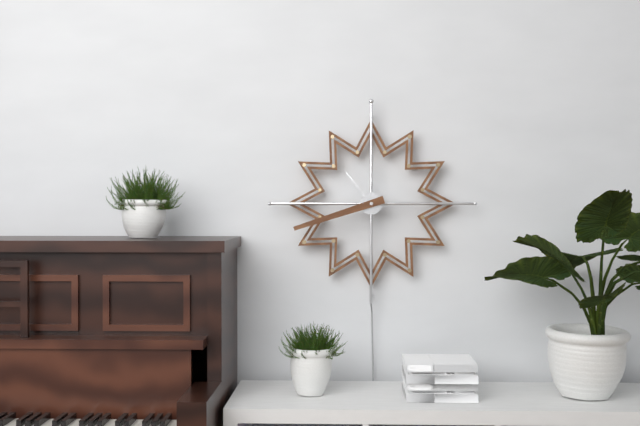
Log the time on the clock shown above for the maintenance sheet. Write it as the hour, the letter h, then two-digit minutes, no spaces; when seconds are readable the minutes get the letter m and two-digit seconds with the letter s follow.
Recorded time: 10h42
